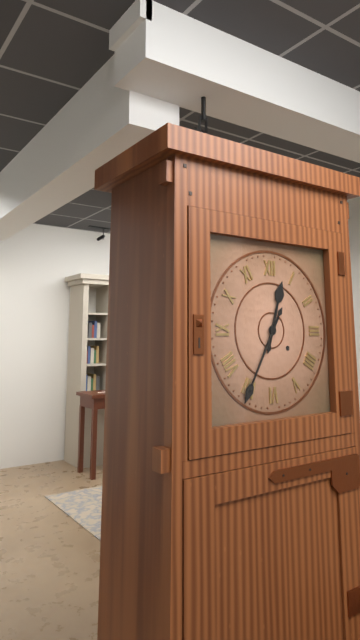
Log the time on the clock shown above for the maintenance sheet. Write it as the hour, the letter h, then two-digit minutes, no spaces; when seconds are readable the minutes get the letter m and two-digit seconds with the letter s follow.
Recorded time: 12h35
